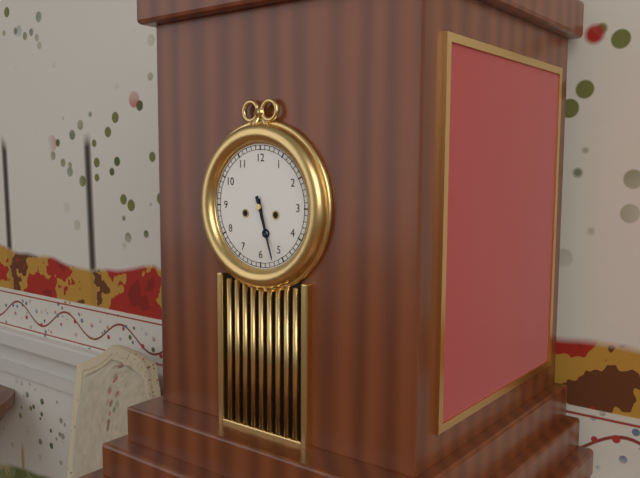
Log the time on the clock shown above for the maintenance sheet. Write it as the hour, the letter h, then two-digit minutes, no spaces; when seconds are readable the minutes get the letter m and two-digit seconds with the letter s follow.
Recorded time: 5h27
